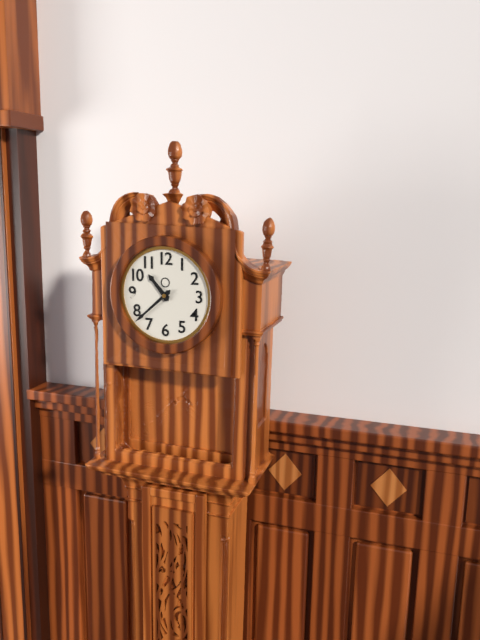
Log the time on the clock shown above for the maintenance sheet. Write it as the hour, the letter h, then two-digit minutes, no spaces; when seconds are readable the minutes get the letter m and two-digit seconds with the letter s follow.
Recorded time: 10h38
